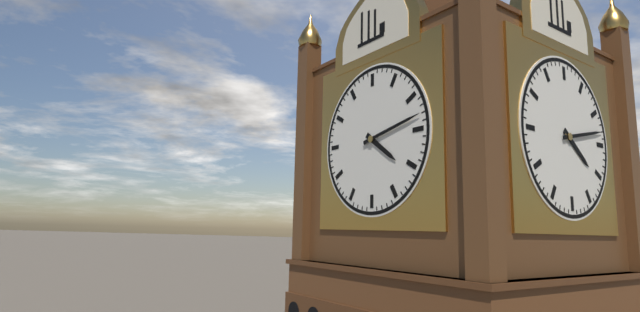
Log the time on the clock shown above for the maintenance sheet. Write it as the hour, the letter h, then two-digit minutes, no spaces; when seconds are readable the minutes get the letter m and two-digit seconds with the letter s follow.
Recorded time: 4h13
